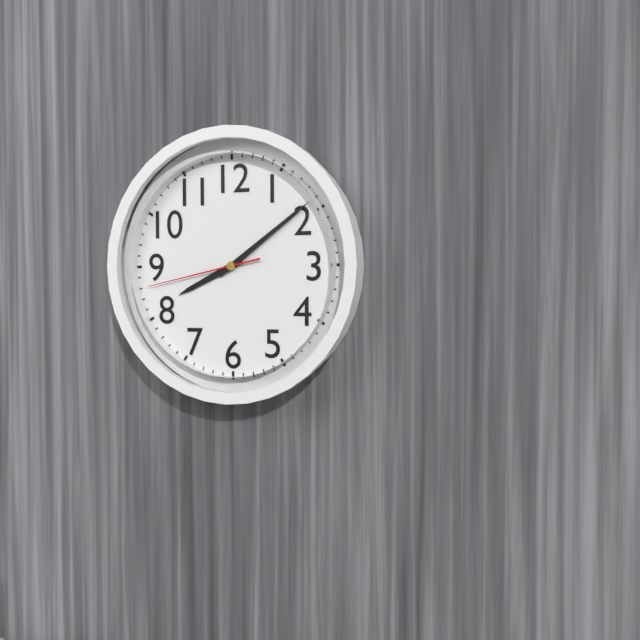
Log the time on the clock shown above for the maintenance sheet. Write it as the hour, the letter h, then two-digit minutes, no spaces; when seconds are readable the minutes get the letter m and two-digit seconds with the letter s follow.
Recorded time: 8h09m43s
